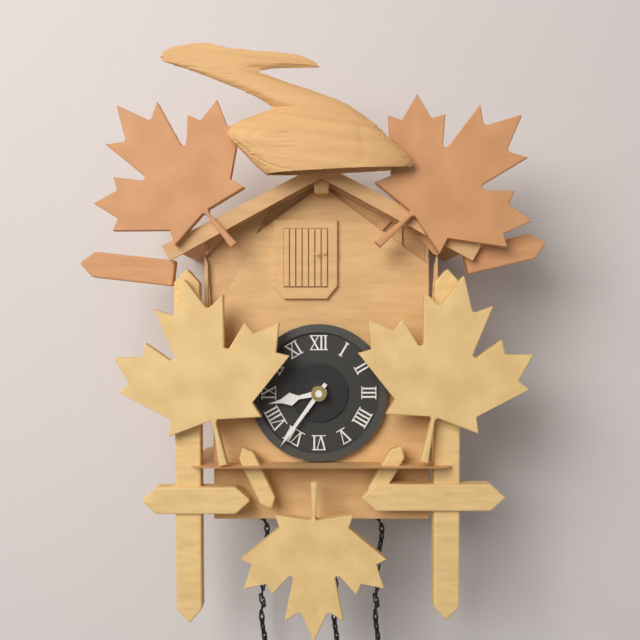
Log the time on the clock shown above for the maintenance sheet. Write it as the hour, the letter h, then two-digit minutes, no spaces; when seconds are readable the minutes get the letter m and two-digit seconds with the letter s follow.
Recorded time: 8h36
